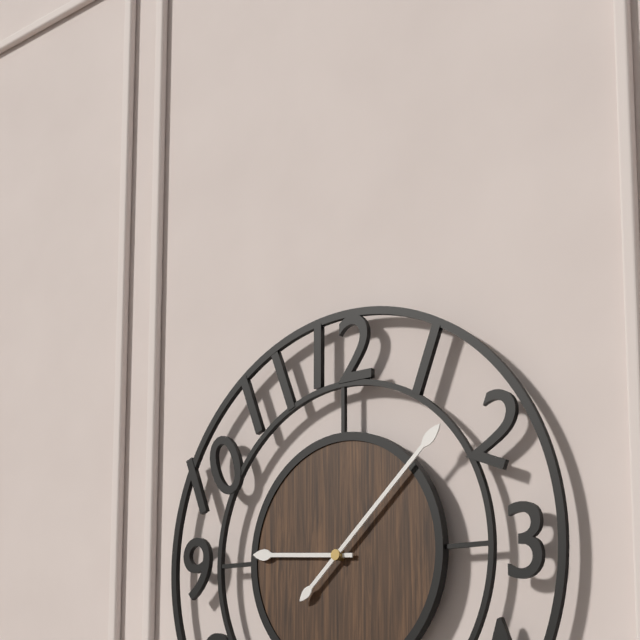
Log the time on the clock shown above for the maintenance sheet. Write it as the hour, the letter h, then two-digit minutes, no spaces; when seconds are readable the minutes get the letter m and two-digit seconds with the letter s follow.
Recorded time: 9h08
